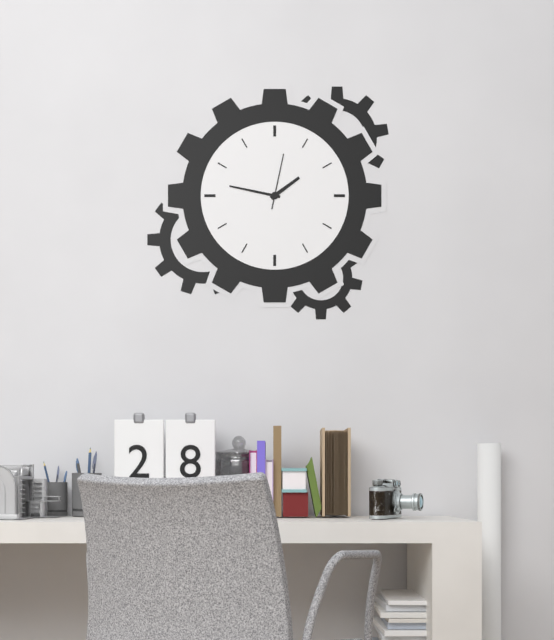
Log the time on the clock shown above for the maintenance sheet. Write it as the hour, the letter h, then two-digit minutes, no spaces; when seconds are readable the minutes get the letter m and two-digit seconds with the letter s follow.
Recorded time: 1h47m02s
